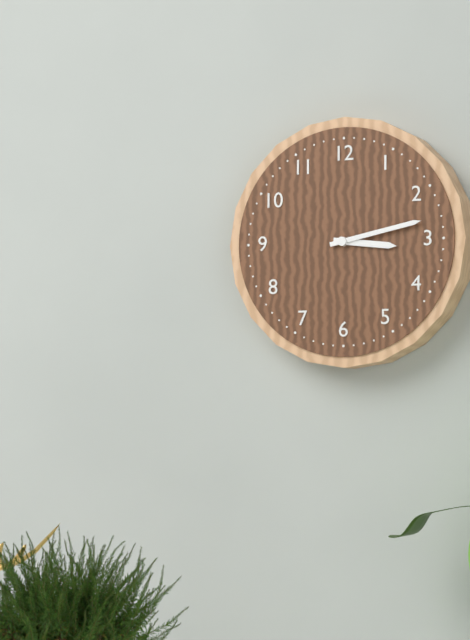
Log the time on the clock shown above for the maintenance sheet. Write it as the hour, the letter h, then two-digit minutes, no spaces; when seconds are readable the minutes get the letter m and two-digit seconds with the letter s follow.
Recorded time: 3h13
